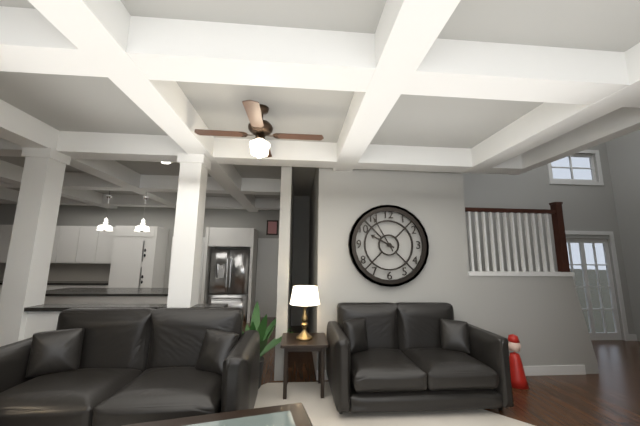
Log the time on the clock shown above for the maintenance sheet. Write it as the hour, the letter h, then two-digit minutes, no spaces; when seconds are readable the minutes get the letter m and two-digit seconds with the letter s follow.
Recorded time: 9h55
